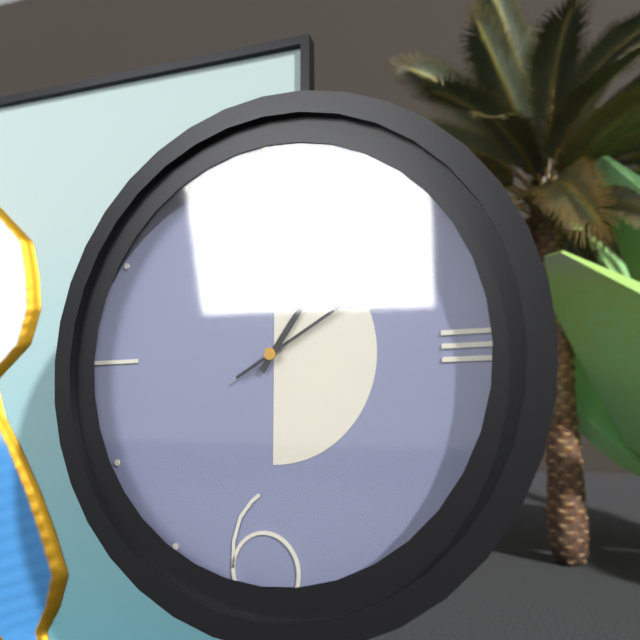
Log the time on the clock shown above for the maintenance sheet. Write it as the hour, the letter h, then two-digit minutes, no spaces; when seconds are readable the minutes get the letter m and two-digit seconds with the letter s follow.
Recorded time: 1h10
